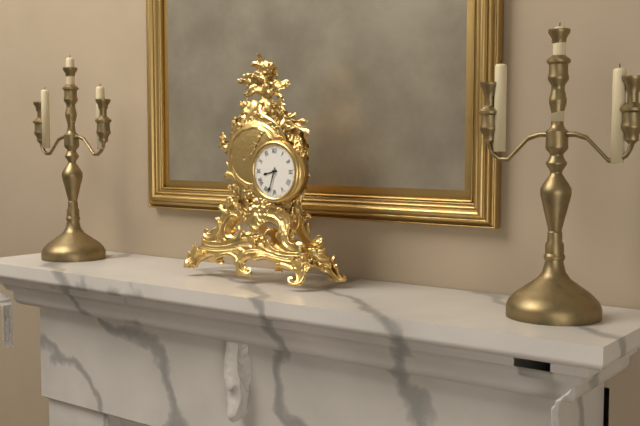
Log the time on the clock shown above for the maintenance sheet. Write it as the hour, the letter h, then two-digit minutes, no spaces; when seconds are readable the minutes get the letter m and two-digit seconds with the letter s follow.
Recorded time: 8h33
